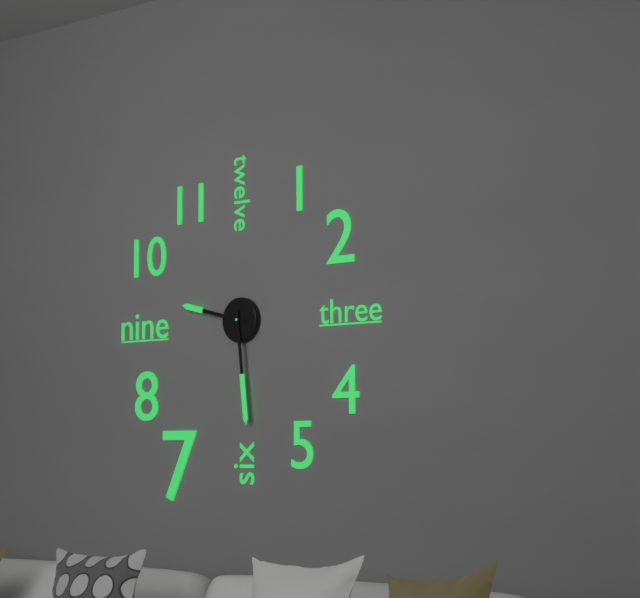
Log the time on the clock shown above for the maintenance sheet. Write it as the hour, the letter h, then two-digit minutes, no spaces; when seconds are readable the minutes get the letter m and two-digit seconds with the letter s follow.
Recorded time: 9h29
